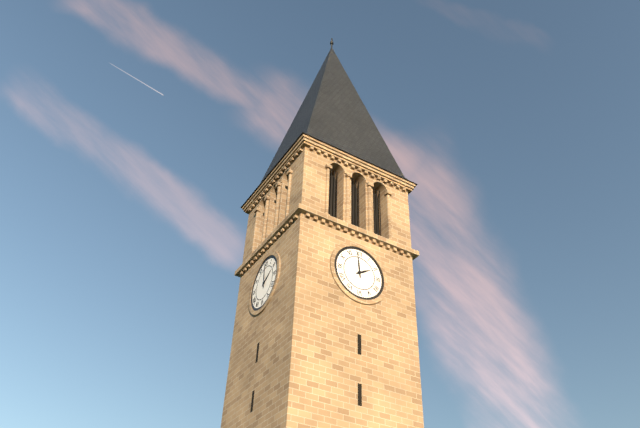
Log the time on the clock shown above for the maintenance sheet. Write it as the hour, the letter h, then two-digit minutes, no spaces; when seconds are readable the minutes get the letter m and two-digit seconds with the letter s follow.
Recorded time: 1h59
